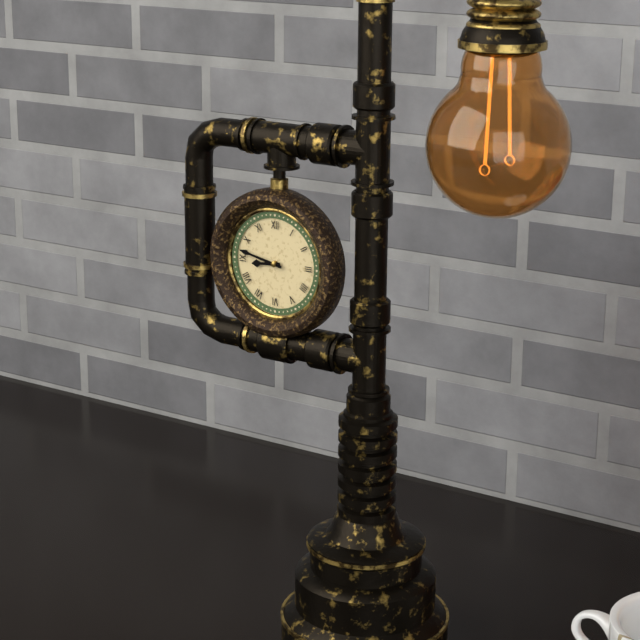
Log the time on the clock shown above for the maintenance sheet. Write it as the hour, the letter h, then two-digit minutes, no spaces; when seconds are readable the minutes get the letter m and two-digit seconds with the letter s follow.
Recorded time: 8h47
